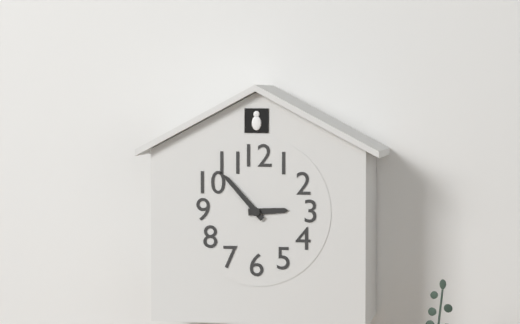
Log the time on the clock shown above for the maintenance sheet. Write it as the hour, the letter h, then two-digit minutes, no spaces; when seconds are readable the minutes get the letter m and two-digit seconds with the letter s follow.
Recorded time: 2h53
